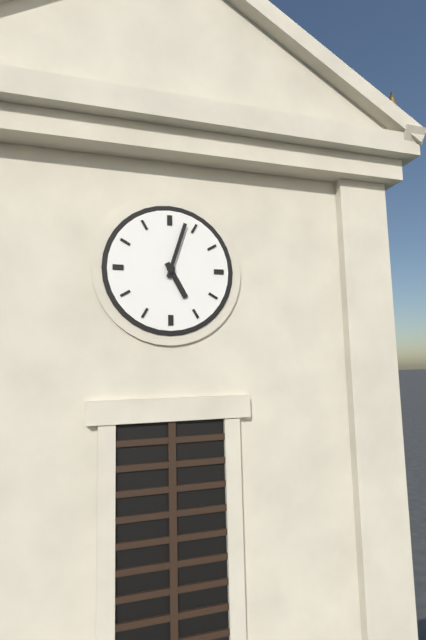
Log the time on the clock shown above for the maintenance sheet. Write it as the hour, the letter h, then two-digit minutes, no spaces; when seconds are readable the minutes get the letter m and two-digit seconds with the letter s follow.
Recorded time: 5h03
